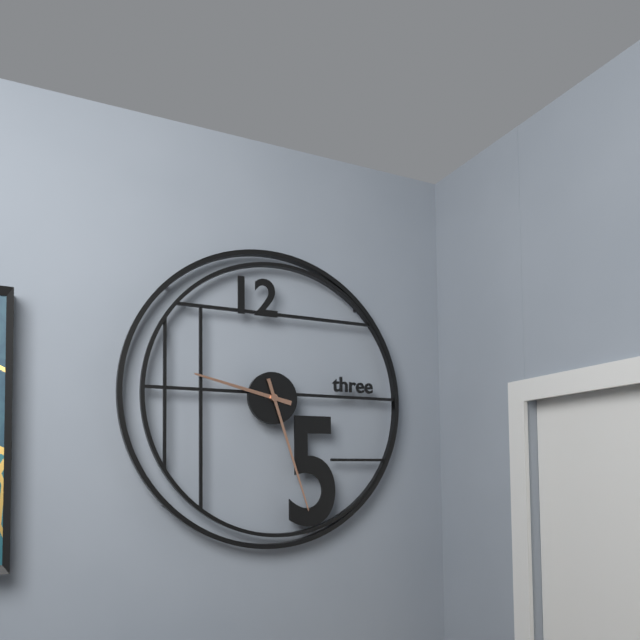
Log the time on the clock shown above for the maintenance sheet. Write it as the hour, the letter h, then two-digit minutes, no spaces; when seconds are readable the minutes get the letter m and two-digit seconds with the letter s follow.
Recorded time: 9h27
